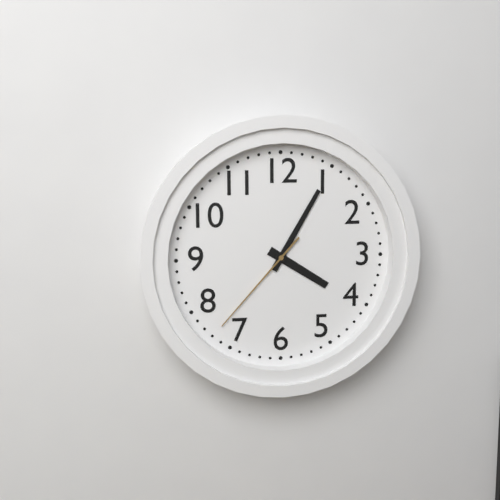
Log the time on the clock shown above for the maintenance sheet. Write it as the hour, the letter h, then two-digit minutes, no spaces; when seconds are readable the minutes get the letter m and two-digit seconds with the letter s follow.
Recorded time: 4h05m37s
